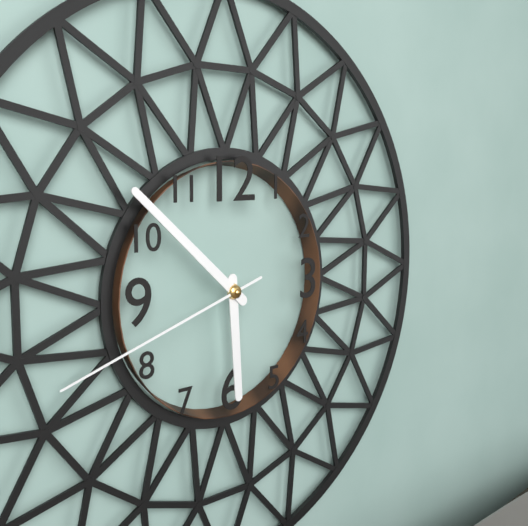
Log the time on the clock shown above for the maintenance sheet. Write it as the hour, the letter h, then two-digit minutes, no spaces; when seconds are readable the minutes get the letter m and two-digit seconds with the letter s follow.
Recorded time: 5h52m42s
